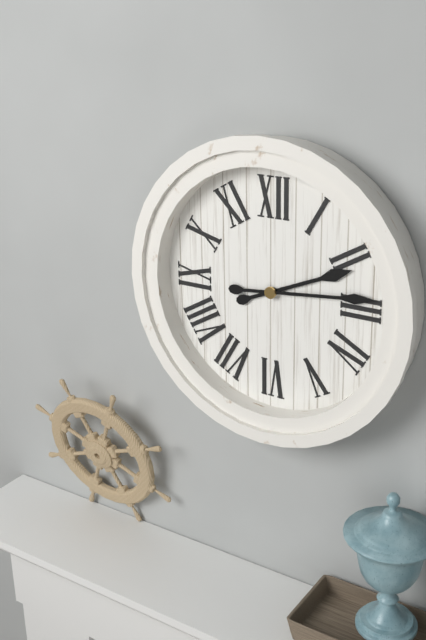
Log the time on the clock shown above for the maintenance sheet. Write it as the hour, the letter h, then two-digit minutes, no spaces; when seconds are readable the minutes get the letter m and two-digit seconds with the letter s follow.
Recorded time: 2h14
